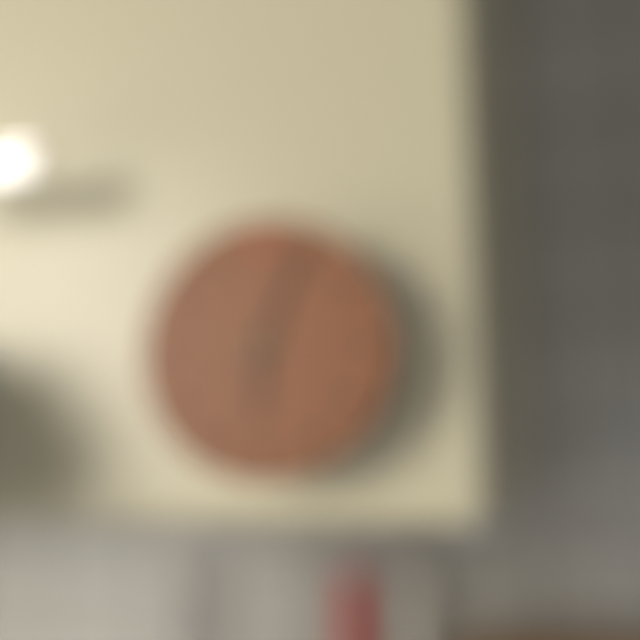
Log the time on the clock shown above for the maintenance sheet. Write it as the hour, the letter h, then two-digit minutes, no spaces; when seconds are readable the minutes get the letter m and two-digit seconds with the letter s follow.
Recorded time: 6h04
